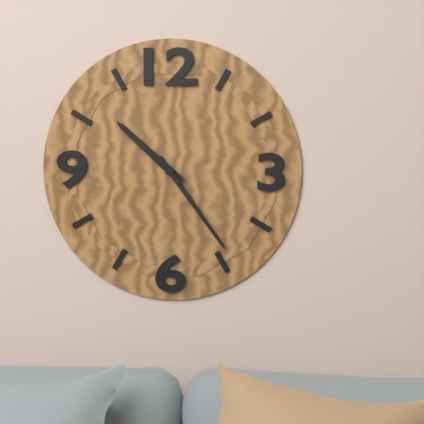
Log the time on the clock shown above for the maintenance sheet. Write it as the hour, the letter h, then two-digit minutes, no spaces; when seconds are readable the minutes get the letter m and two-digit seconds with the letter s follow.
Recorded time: 10h24
